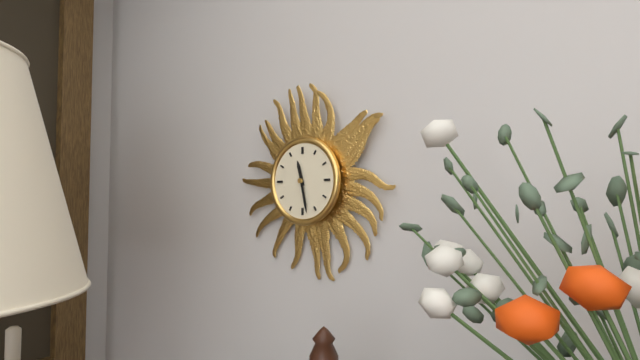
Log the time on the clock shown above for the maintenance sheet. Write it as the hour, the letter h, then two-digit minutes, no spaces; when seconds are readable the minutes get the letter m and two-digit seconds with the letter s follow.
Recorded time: 11h28
